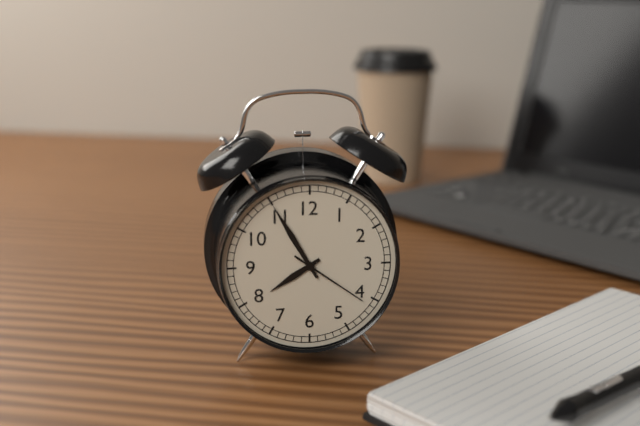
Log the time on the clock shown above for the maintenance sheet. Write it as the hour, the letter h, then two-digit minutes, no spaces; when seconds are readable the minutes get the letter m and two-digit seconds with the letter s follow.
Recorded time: 7h55m21s
